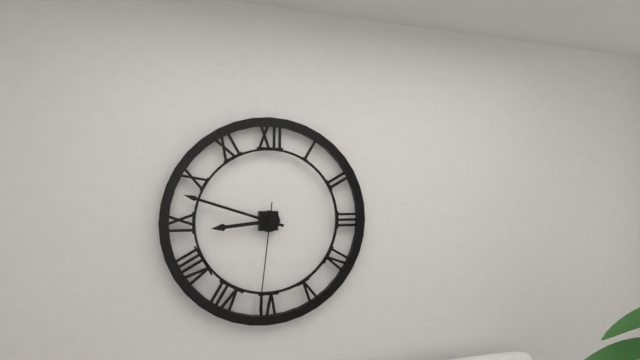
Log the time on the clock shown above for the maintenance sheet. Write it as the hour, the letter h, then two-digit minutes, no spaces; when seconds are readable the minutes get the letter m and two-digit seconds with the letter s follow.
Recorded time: 8h48m31s
